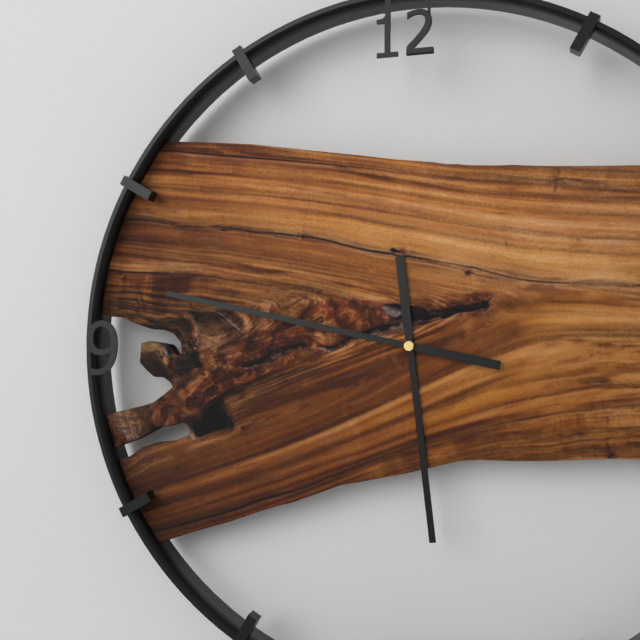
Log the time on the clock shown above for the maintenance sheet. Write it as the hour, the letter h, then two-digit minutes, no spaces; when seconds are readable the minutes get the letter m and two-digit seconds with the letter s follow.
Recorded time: 5h47
